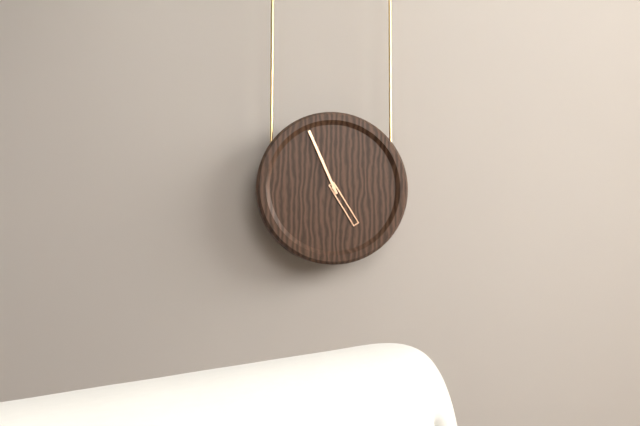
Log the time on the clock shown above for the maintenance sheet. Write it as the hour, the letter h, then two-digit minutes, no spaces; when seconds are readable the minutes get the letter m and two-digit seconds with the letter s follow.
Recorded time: 4h56
